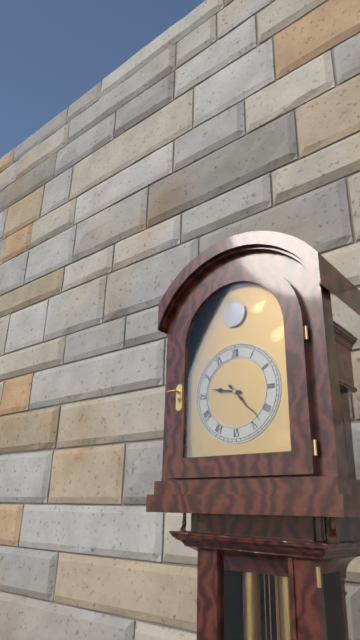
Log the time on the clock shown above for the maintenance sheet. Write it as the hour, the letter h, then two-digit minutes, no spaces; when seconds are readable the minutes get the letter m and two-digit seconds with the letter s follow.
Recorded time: 9h23
